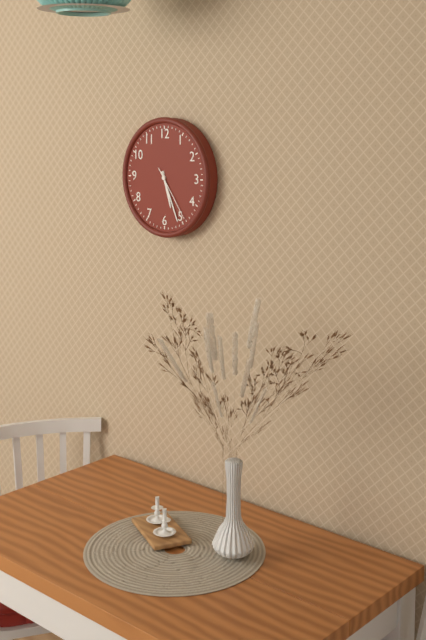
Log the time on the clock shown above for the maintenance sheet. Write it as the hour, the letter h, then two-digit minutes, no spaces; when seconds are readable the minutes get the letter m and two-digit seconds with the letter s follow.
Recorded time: 5h26m24s
